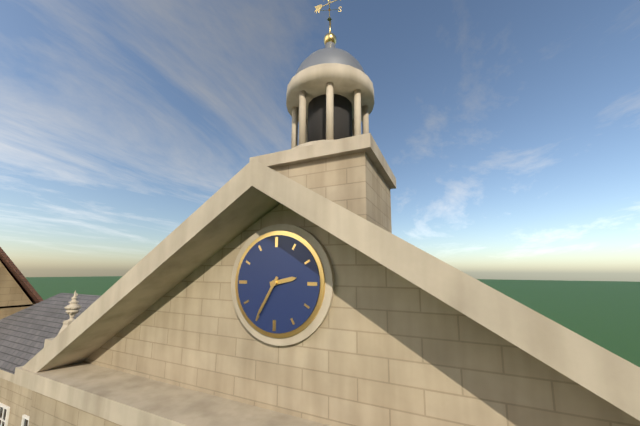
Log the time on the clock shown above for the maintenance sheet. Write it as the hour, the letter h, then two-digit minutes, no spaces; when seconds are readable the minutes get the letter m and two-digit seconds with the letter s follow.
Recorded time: 2h35
